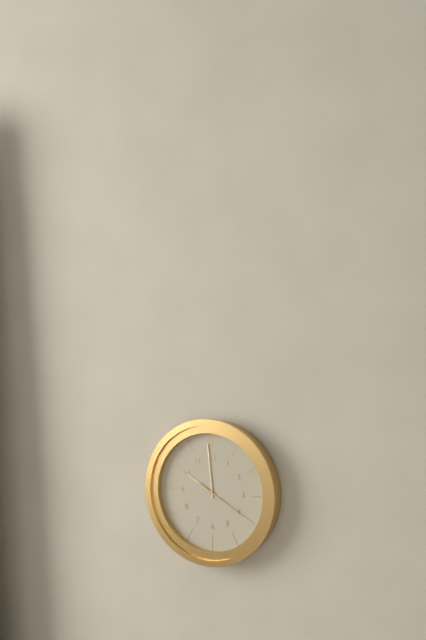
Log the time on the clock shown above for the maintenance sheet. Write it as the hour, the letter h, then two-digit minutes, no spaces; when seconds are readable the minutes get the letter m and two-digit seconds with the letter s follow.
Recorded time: 9h59
